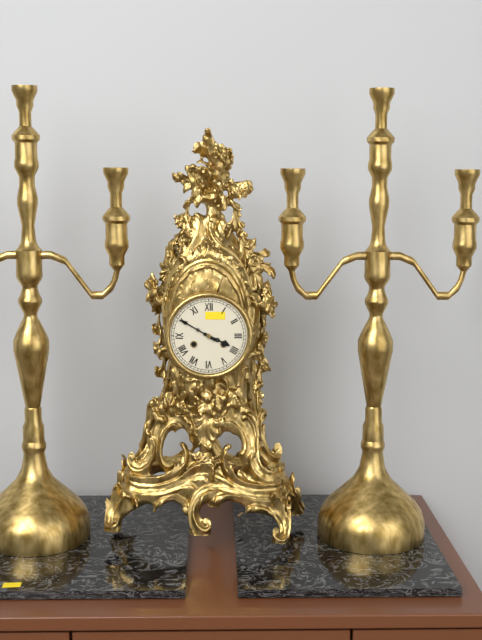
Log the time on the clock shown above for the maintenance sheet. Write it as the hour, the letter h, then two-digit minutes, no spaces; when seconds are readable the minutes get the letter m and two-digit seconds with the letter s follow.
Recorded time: 3h50
